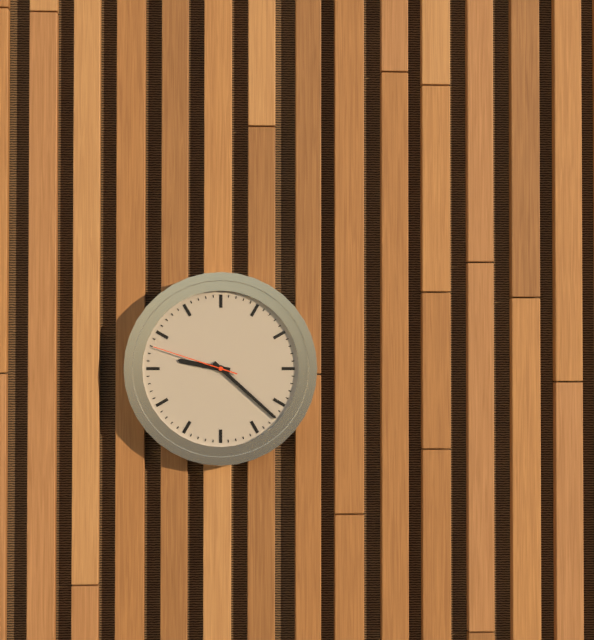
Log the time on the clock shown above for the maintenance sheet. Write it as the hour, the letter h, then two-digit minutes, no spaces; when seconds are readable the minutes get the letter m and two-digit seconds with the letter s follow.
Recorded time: 9h22m48s
